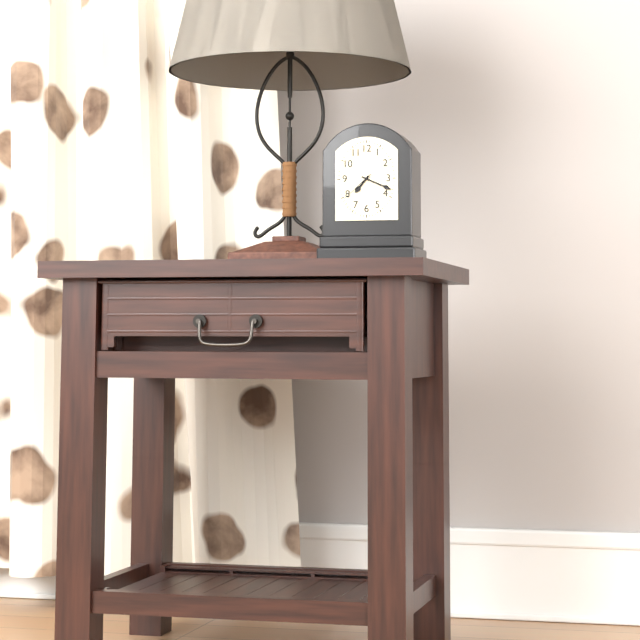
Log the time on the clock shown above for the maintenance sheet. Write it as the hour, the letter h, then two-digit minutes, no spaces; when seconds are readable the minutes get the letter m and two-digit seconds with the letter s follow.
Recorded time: 7h19
